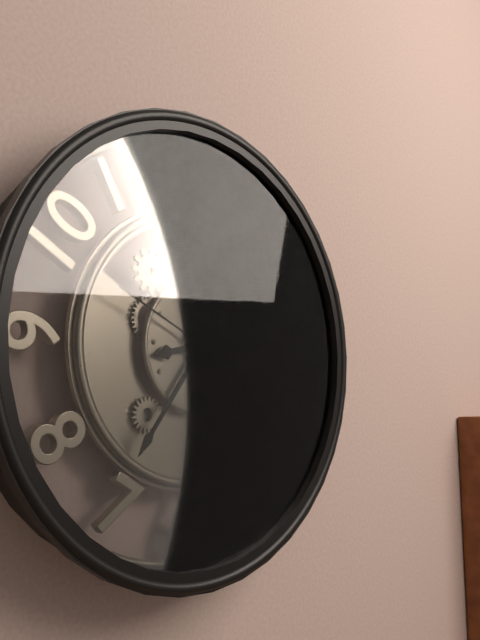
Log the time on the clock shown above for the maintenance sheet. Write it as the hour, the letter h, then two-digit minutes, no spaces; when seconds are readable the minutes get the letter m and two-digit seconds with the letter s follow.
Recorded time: 8h36m49s
